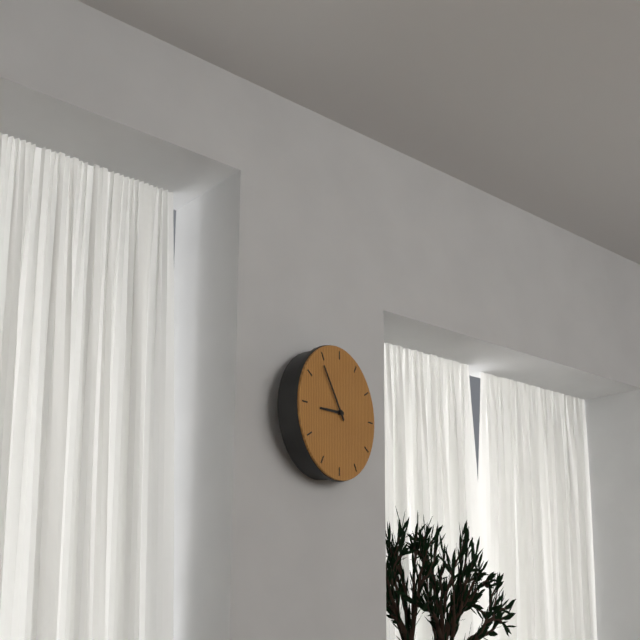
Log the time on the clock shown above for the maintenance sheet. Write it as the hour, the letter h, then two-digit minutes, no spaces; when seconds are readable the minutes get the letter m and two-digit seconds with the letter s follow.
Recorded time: 8h54
